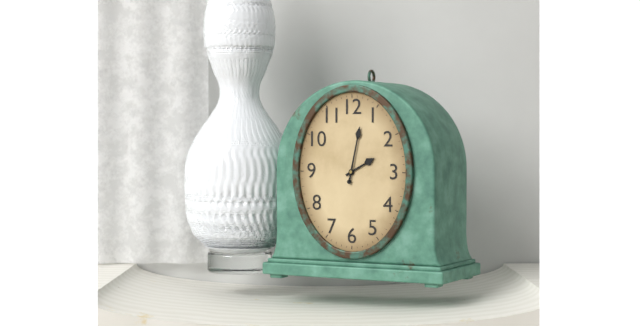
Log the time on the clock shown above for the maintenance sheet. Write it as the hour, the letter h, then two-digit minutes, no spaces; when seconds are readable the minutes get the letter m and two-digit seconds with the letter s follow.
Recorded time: 2h02
